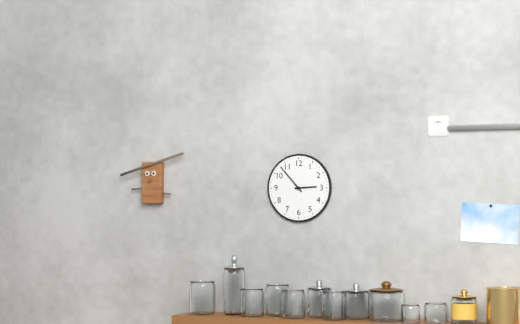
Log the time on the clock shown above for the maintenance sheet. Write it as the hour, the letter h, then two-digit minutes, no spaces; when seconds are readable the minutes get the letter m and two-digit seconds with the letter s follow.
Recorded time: 2h53
